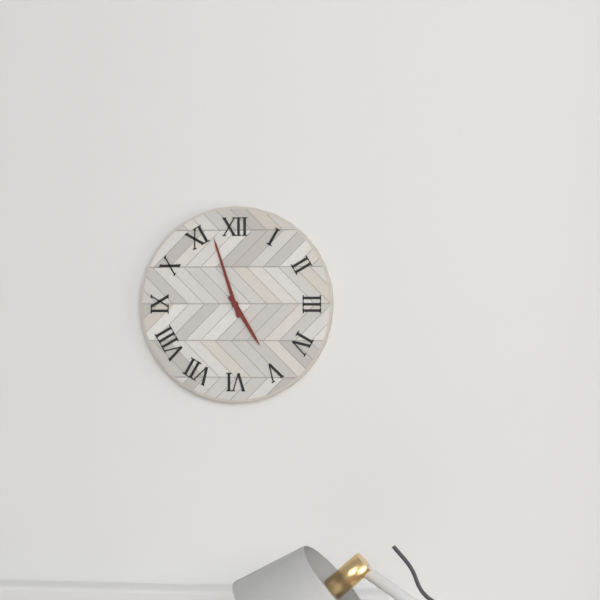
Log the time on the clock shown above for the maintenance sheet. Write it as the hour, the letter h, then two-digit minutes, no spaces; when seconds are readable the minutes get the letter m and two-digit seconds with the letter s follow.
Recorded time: 4h57
